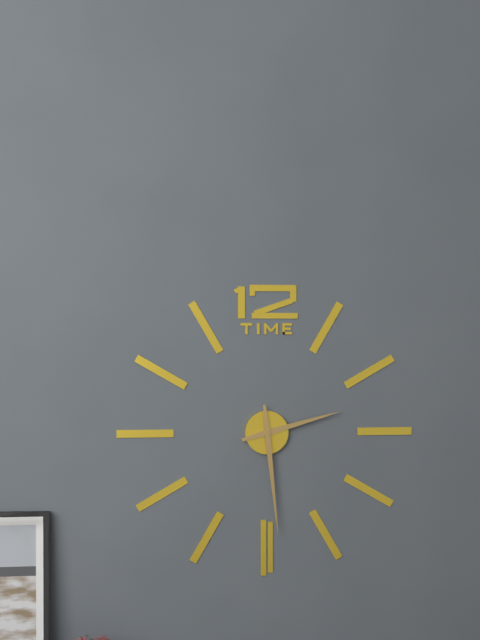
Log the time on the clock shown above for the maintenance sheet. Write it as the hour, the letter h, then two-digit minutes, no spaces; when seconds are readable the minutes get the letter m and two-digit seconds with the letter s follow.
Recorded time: 2h29
